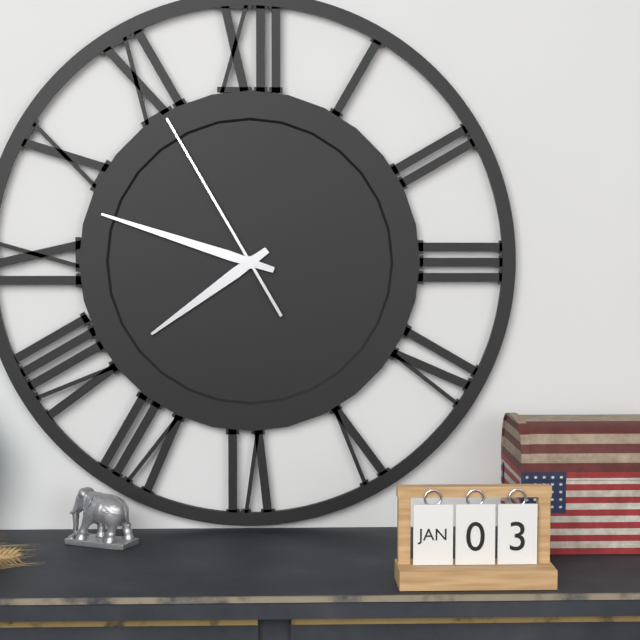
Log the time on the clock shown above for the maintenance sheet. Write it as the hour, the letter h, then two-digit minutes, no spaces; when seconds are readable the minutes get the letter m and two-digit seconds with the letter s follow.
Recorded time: 7h48m55s
